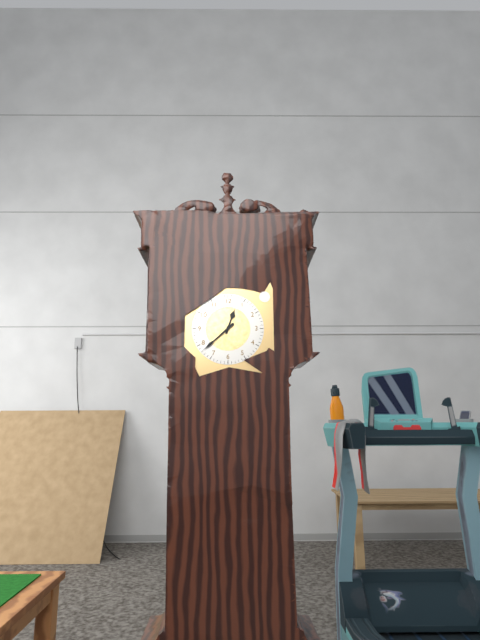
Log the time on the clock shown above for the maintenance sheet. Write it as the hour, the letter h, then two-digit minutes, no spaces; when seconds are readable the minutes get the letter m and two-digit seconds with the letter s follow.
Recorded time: 12h38
